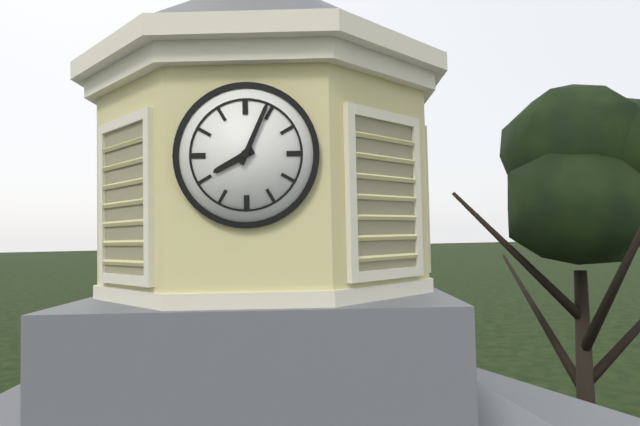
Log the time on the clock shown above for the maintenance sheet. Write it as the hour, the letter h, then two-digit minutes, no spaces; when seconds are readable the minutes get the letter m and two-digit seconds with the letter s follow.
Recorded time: 8h04
